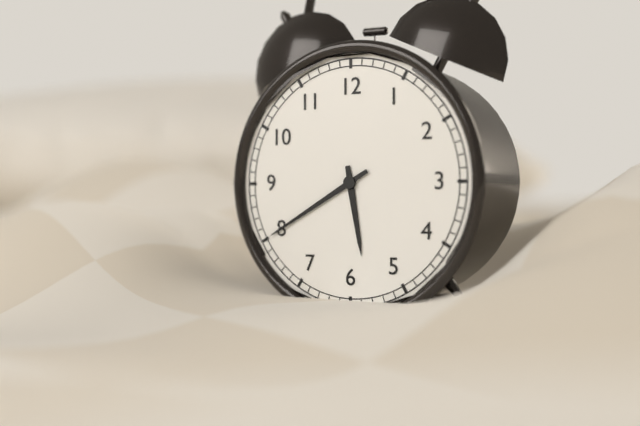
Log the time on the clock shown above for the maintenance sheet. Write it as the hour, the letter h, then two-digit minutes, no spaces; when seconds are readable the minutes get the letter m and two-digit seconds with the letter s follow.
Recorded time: 5h40
